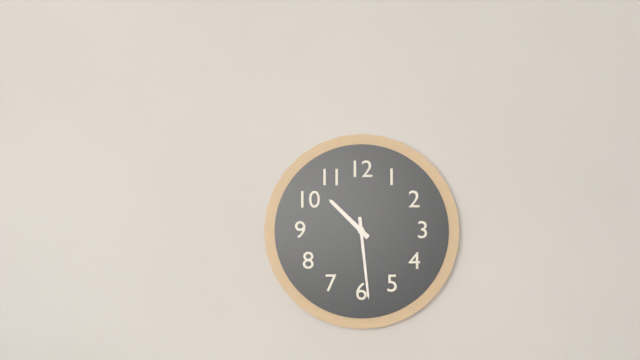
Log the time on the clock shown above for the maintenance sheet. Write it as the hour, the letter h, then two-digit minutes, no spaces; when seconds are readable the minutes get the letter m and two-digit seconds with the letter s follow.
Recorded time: 10h29
